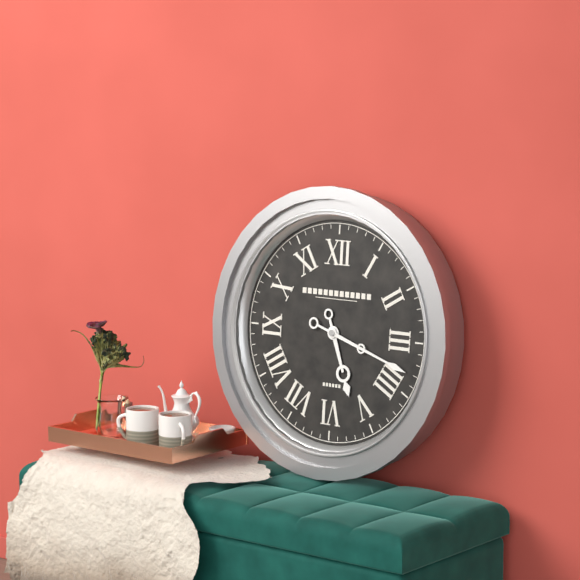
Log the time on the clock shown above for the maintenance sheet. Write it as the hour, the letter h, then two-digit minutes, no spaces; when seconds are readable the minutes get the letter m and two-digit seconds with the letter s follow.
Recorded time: 5h18
